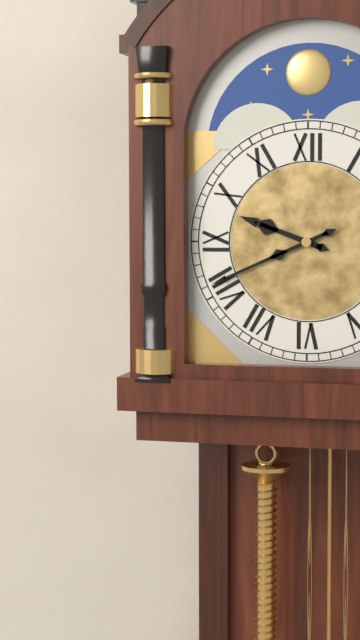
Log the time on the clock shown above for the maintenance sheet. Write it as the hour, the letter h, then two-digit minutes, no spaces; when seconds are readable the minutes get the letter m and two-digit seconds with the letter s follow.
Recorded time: 9h41
